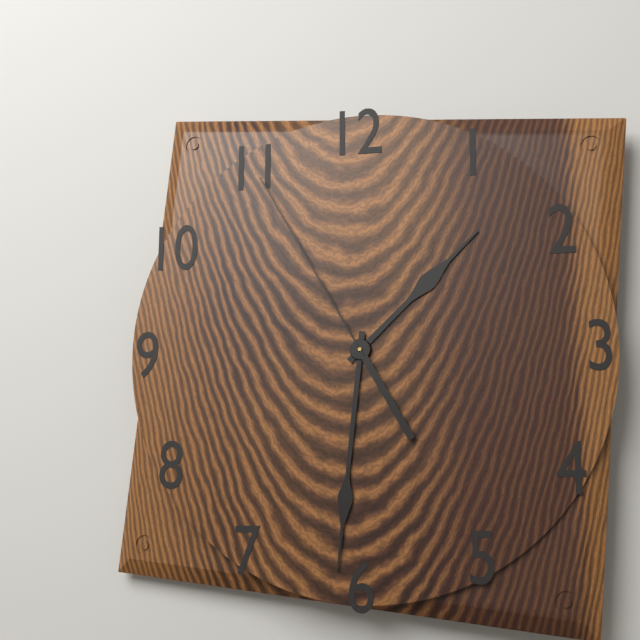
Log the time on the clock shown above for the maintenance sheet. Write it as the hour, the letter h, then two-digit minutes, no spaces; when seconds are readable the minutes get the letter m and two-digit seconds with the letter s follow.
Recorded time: 1h31m55s
